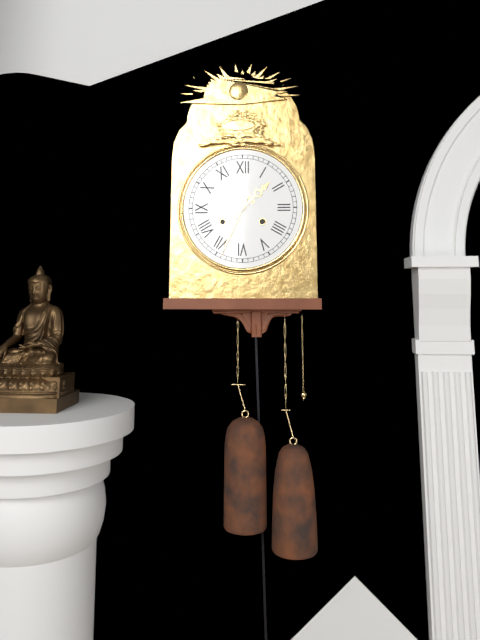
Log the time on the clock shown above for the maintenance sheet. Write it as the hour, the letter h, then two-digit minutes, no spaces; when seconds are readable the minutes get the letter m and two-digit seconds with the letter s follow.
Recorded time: 1h34
